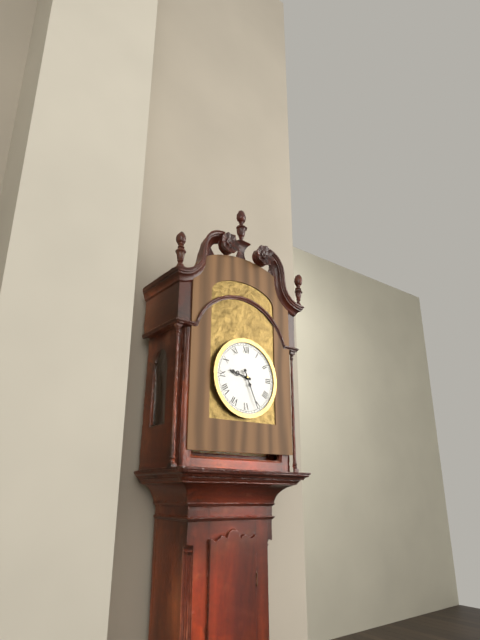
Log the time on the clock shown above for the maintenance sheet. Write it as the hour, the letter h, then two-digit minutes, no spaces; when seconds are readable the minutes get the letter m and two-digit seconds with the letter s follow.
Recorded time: 9h26
